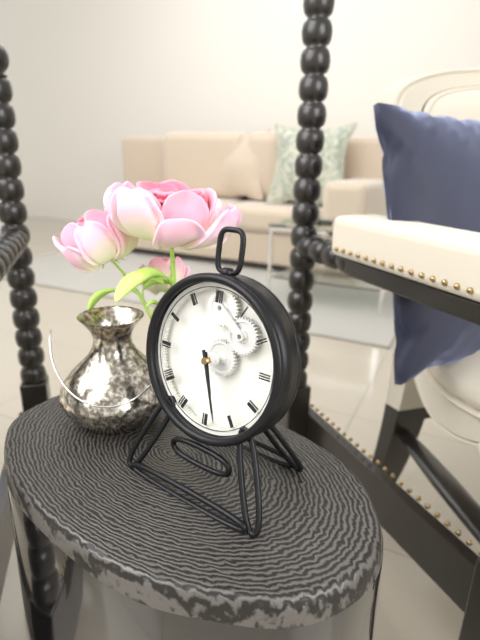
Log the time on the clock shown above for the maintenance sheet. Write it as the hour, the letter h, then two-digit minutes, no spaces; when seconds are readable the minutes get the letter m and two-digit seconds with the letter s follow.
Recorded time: 5h27
